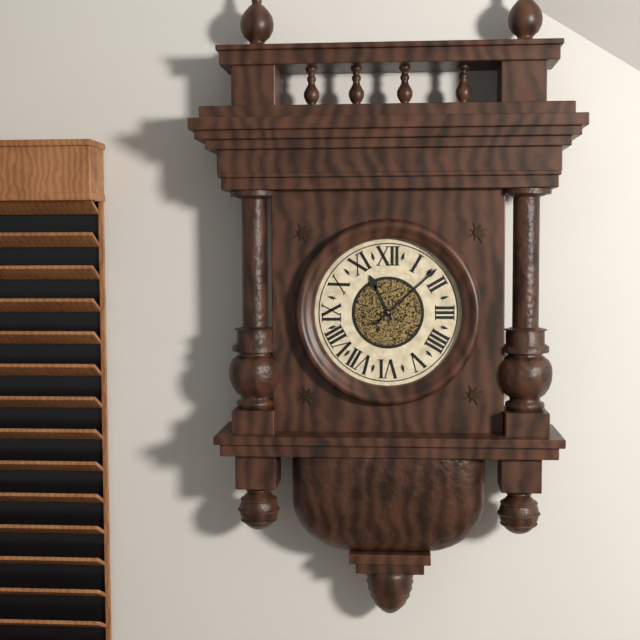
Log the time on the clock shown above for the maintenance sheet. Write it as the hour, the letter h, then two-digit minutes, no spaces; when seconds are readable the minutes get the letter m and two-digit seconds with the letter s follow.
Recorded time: 11h08
